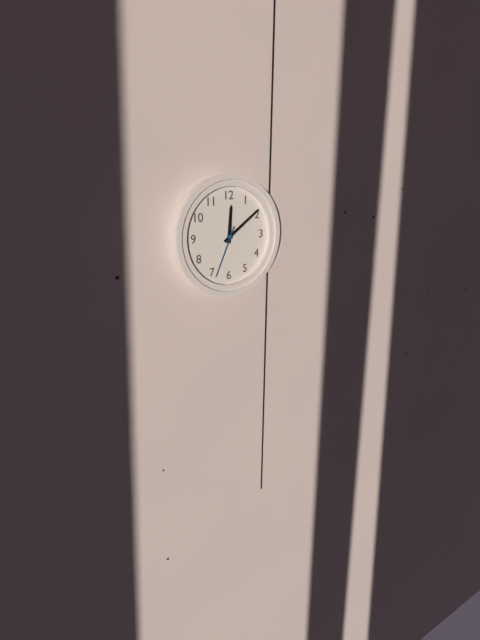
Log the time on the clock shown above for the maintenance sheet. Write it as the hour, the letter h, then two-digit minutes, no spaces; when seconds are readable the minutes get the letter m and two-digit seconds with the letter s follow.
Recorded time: 12h09m34s
